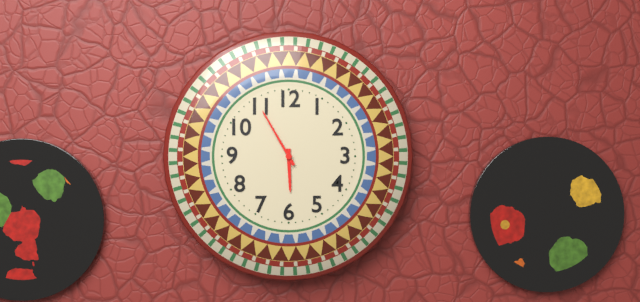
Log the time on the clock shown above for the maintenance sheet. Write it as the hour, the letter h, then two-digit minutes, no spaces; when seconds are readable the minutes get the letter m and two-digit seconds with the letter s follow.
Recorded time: 5h55
